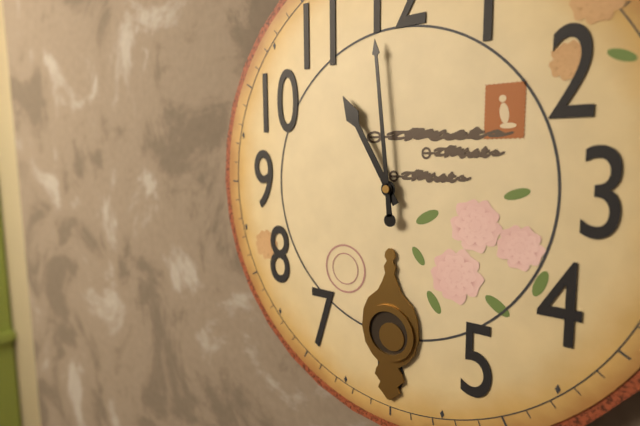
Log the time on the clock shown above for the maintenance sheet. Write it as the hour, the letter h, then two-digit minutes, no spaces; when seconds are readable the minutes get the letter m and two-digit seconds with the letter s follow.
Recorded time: 10h59
